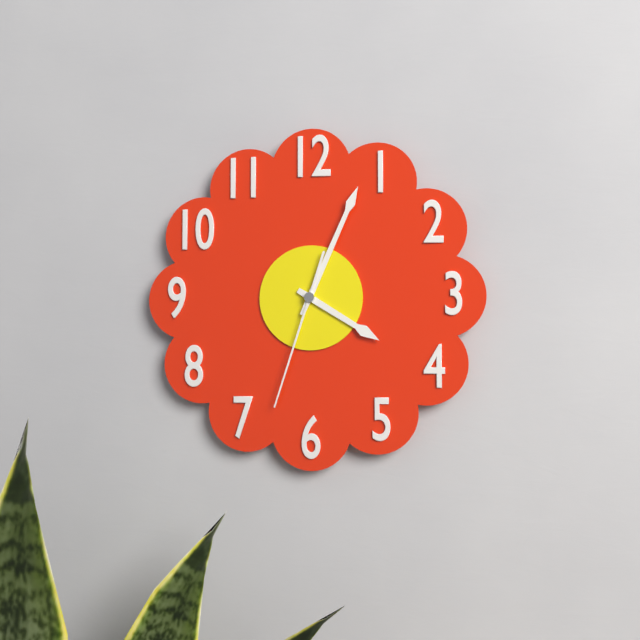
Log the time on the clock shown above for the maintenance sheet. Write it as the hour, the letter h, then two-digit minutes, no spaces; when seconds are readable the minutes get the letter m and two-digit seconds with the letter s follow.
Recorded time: 4h04m33s
